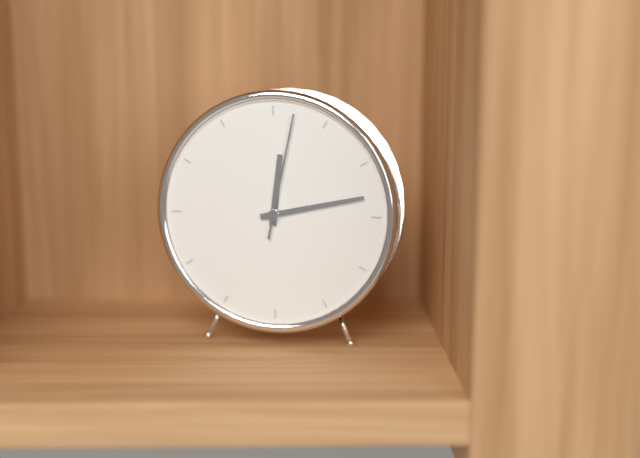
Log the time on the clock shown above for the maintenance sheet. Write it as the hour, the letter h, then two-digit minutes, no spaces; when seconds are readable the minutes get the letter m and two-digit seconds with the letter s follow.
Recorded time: 12h13m02s
